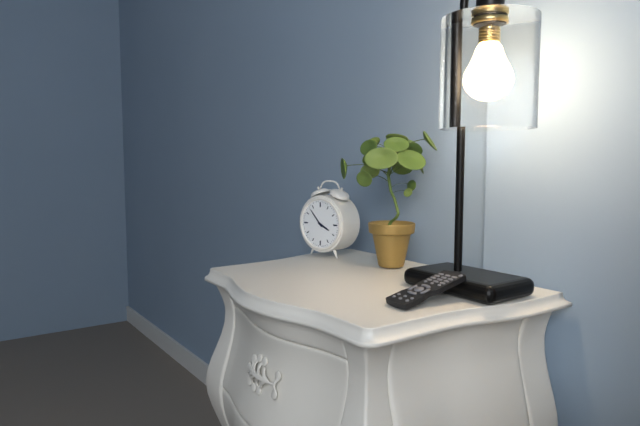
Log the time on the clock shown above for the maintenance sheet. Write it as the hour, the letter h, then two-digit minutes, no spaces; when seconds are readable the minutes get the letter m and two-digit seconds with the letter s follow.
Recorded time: 3h53
